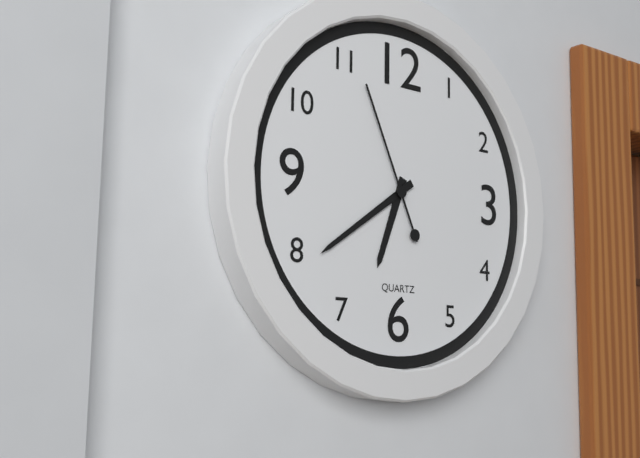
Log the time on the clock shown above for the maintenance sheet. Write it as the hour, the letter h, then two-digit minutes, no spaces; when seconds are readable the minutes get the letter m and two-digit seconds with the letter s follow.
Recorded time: 6h39m56s
